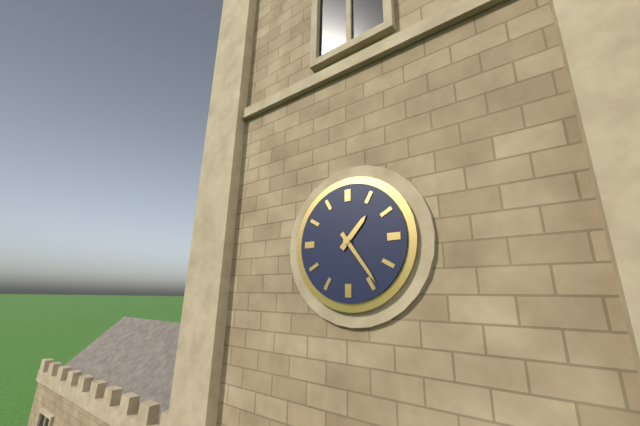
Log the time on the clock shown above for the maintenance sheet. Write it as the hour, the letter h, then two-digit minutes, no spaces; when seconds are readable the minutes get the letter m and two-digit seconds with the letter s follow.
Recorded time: 1h24
